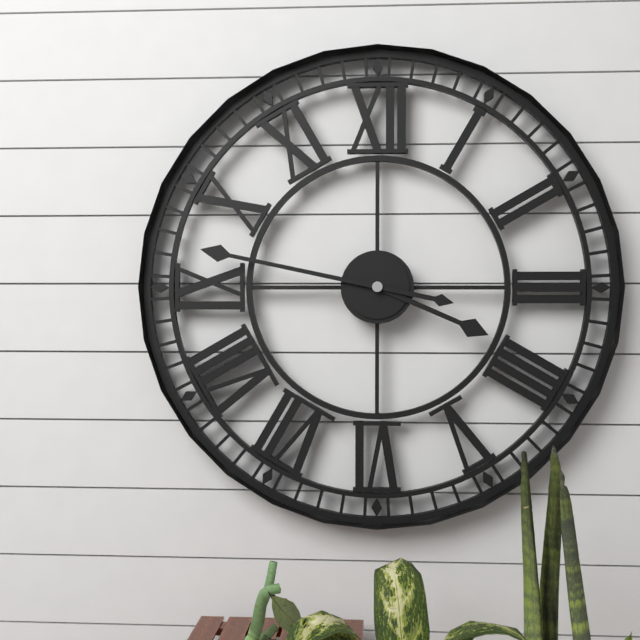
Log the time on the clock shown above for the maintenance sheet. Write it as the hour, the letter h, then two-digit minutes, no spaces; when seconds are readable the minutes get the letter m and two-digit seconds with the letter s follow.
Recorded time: 3h47
